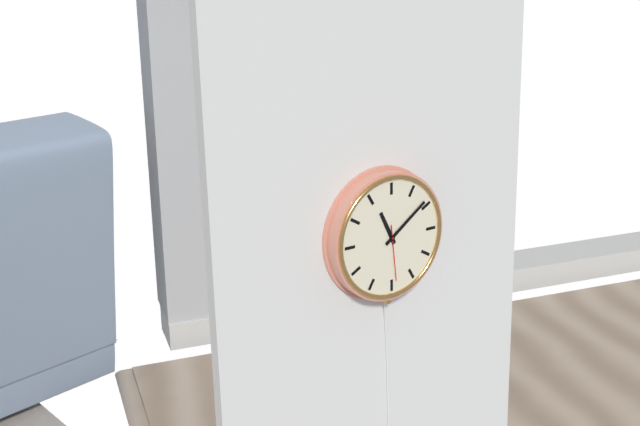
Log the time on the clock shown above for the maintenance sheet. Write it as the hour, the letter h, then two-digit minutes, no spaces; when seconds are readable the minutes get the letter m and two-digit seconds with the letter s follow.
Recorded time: 11h09m29s
